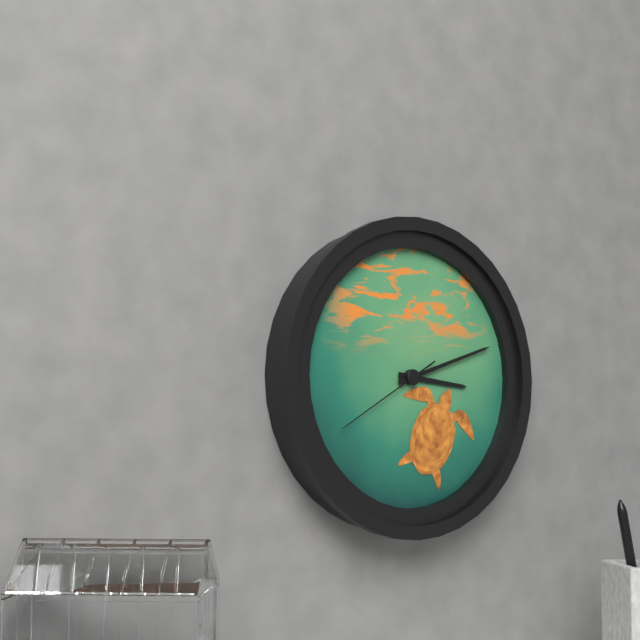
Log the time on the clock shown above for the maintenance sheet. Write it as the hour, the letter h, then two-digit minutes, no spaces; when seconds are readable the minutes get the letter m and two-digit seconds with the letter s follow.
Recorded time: 3h12m40s
